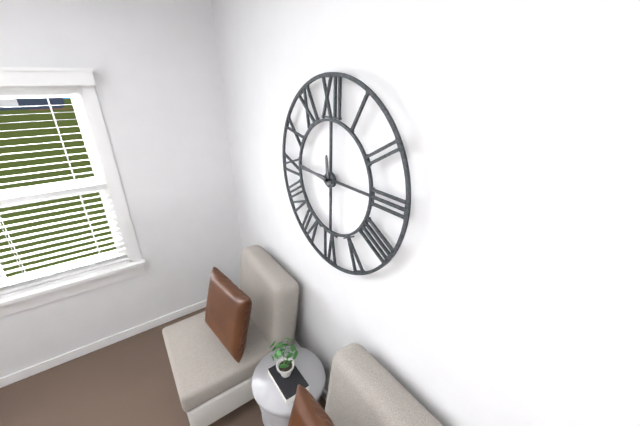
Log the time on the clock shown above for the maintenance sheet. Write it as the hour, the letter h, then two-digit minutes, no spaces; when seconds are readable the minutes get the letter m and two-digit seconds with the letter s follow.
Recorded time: 11h46
